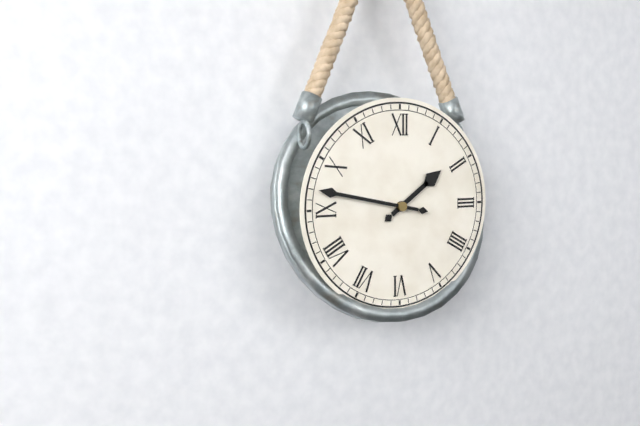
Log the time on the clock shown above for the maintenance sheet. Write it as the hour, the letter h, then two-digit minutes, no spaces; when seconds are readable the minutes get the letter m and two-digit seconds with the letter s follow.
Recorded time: 1h47
